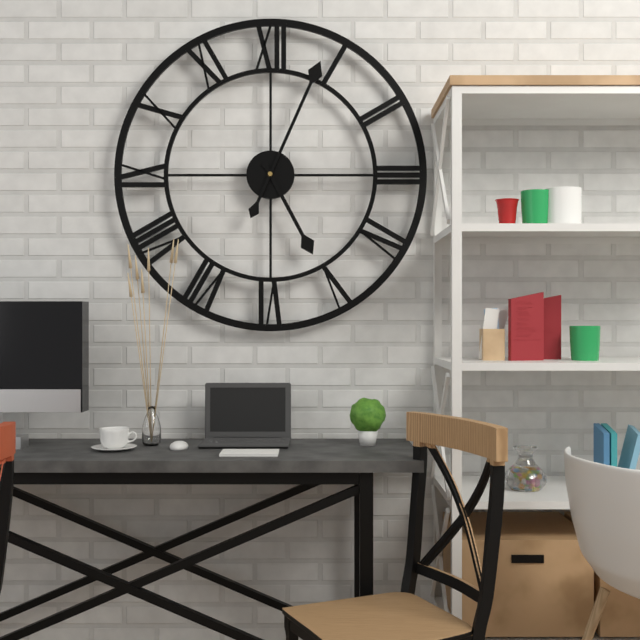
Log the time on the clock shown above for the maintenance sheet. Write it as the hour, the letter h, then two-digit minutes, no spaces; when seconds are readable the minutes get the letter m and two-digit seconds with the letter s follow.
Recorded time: 5h04
